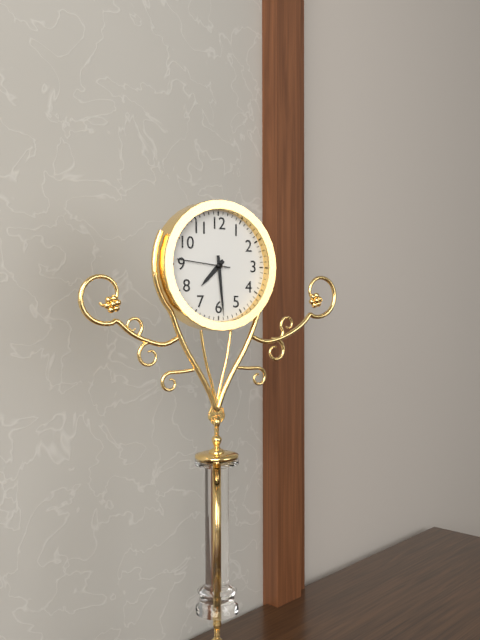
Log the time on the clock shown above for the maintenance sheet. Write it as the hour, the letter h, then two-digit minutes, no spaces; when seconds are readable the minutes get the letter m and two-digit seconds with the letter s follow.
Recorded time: 7h29m46s
